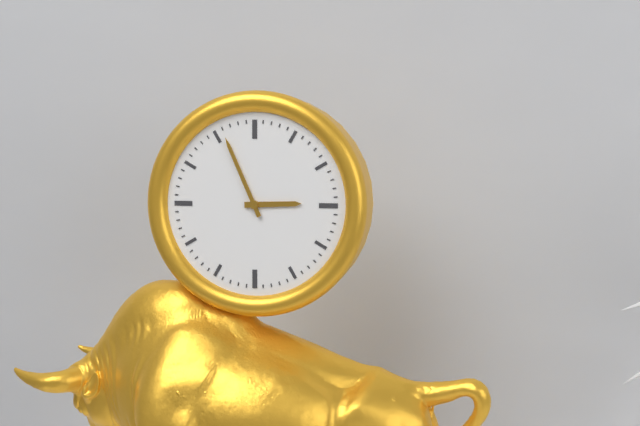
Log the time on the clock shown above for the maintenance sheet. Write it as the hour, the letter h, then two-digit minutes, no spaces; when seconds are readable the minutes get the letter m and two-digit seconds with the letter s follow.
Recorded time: 2h56
